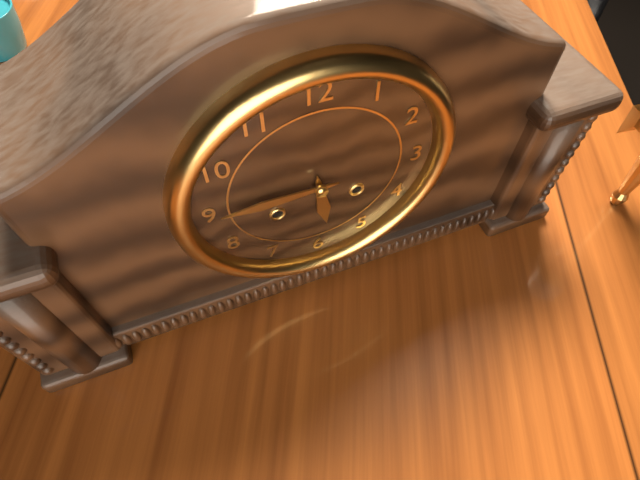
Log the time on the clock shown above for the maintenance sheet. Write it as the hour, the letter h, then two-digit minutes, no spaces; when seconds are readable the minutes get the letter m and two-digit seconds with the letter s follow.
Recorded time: 5h45
